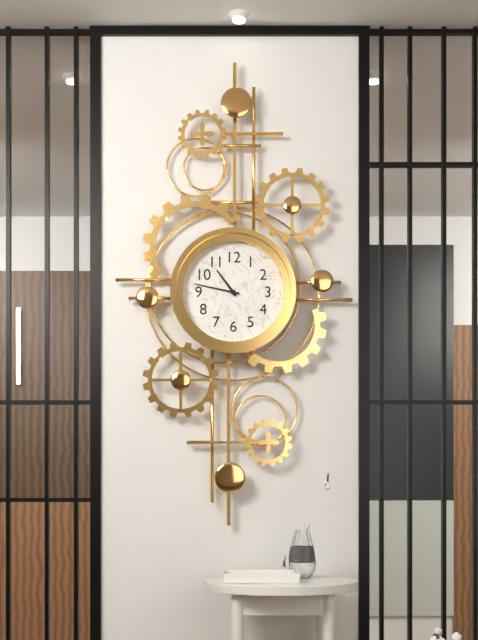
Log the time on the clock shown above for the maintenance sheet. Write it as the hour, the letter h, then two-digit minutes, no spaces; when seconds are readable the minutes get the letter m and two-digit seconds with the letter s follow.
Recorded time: 10h47
